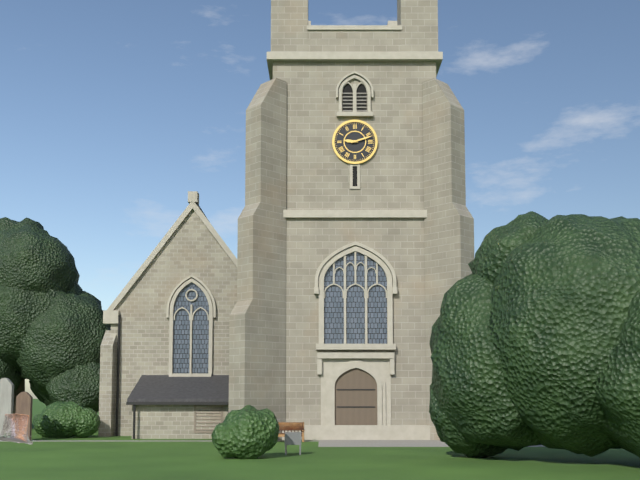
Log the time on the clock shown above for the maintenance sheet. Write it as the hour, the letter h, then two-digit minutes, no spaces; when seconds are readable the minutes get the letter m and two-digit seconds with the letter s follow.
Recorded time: 9h12
